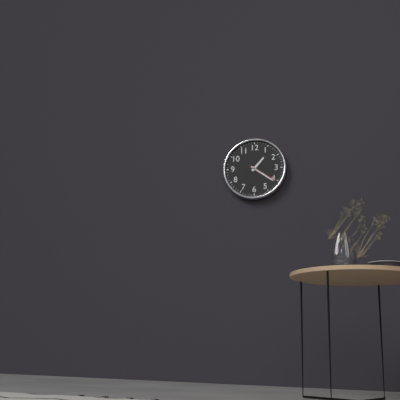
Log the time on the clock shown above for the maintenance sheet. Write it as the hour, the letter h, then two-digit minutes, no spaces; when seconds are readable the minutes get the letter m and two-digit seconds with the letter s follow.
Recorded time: 1h21
